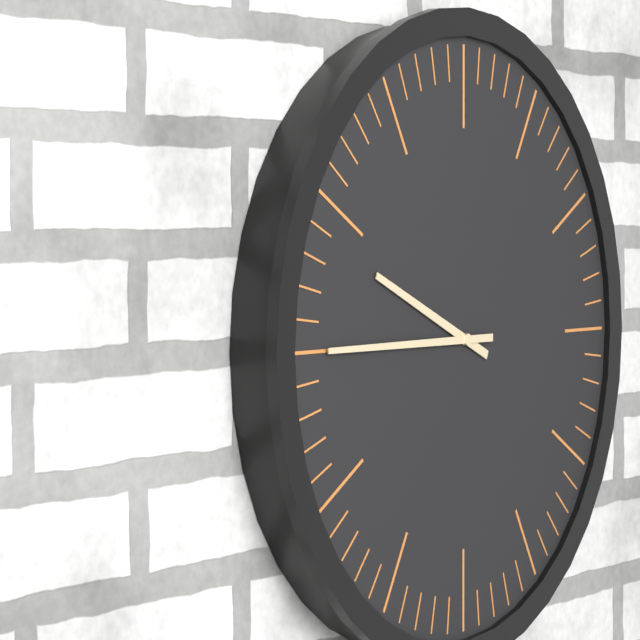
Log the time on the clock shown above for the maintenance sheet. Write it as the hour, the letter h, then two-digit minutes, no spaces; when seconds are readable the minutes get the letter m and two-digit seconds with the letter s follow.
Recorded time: 9h45
